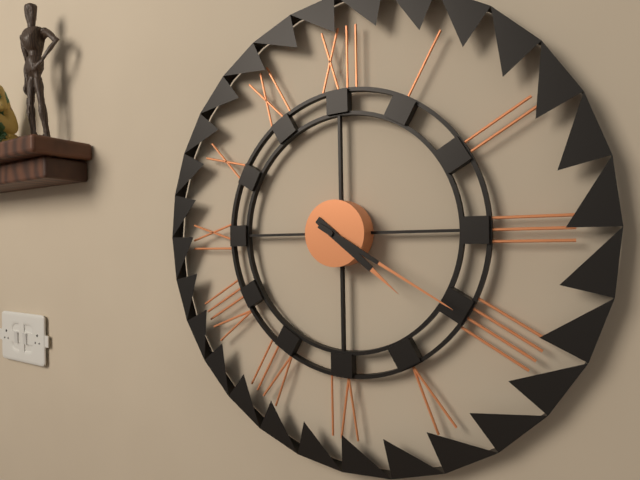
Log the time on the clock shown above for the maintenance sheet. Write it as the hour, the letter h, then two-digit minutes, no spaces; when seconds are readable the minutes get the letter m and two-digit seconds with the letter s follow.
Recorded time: 4h20
